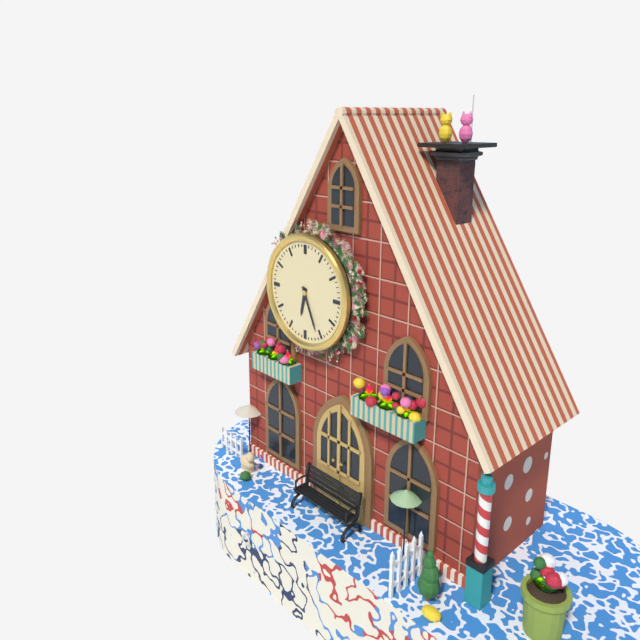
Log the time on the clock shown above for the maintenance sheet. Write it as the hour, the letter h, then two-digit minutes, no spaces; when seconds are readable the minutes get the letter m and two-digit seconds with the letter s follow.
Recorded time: 6h26
